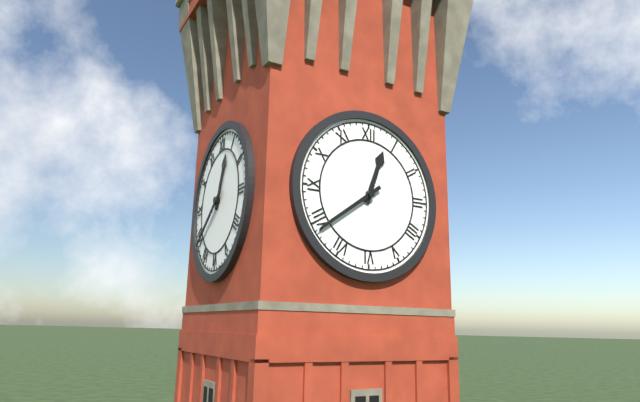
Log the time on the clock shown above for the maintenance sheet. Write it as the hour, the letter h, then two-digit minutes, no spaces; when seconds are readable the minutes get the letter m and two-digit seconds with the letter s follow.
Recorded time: 12h39
